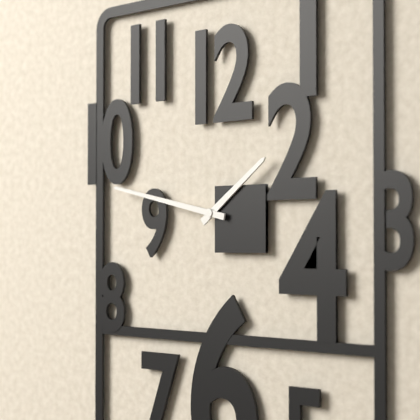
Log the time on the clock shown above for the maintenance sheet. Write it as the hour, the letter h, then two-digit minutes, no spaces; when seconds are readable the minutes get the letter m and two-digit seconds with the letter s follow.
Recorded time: 1h47
